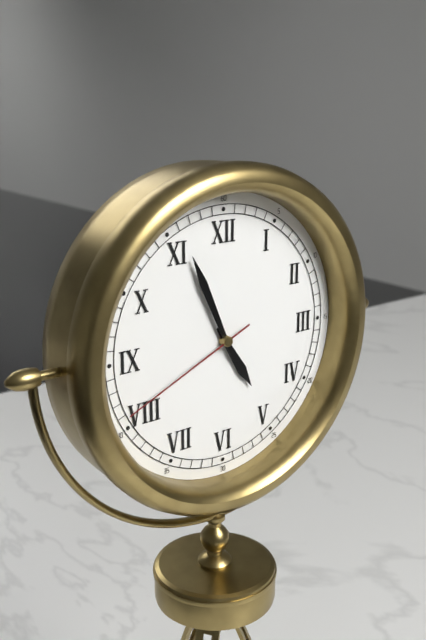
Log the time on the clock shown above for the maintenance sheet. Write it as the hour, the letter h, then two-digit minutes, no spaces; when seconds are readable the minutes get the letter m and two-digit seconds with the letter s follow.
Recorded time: 4h56m41s
